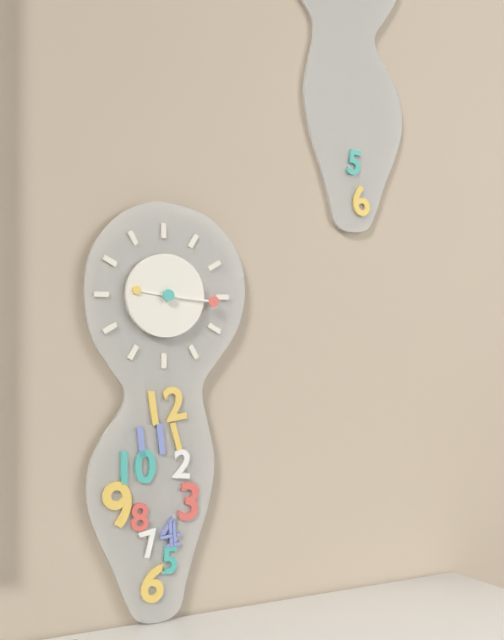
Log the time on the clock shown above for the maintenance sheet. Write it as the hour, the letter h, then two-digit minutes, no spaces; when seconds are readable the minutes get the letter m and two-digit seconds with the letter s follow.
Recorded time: 9h16
